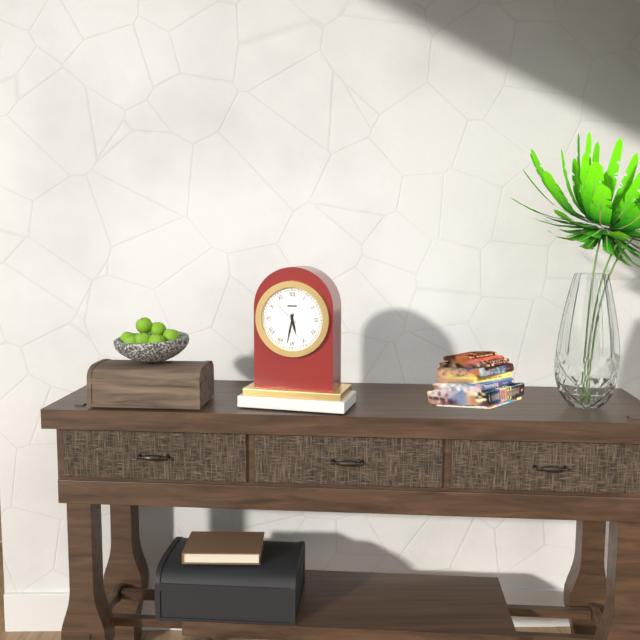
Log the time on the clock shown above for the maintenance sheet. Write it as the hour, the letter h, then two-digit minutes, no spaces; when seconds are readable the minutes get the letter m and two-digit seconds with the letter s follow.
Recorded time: 5h32
